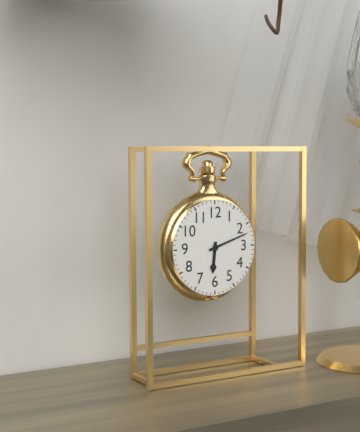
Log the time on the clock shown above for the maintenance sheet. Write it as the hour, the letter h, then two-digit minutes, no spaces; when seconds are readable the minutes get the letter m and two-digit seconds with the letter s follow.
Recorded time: 6h12
